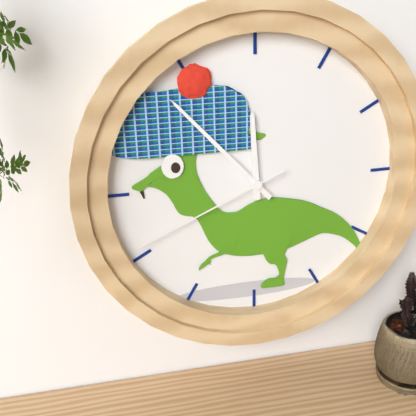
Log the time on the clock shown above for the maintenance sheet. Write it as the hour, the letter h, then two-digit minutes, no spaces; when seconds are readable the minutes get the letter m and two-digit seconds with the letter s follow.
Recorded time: 11h53m41s
